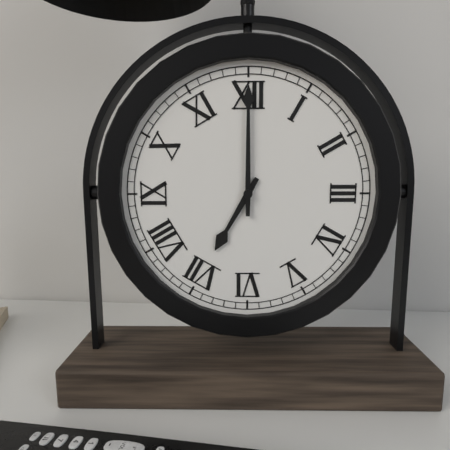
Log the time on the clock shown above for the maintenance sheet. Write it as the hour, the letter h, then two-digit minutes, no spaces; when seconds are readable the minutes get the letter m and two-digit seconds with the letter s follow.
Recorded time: 7h00
